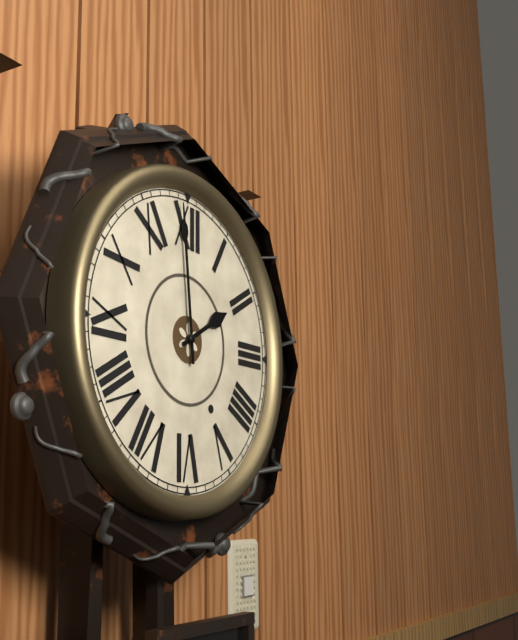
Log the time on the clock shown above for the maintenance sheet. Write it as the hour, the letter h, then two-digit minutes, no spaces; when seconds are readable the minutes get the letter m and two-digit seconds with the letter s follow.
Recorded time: 1h59
